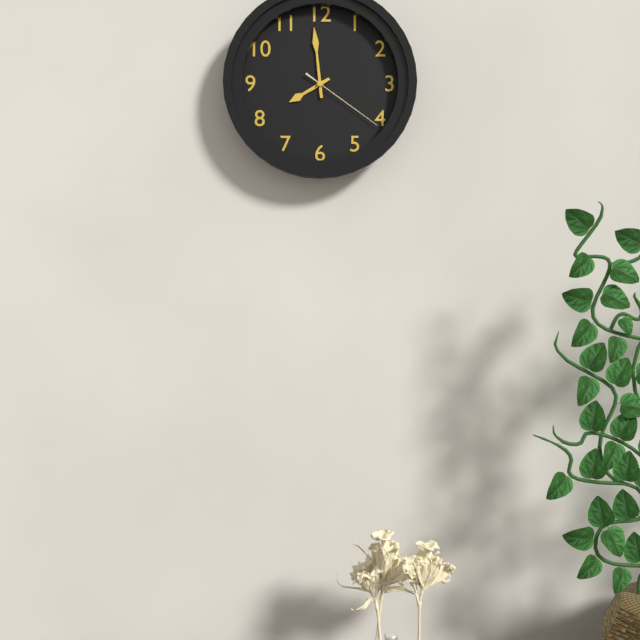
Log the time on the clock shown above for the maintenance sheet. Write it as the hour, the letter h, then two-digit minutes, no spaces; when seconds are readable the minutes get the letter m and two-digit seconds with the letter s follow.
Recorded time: 7h59m21s
